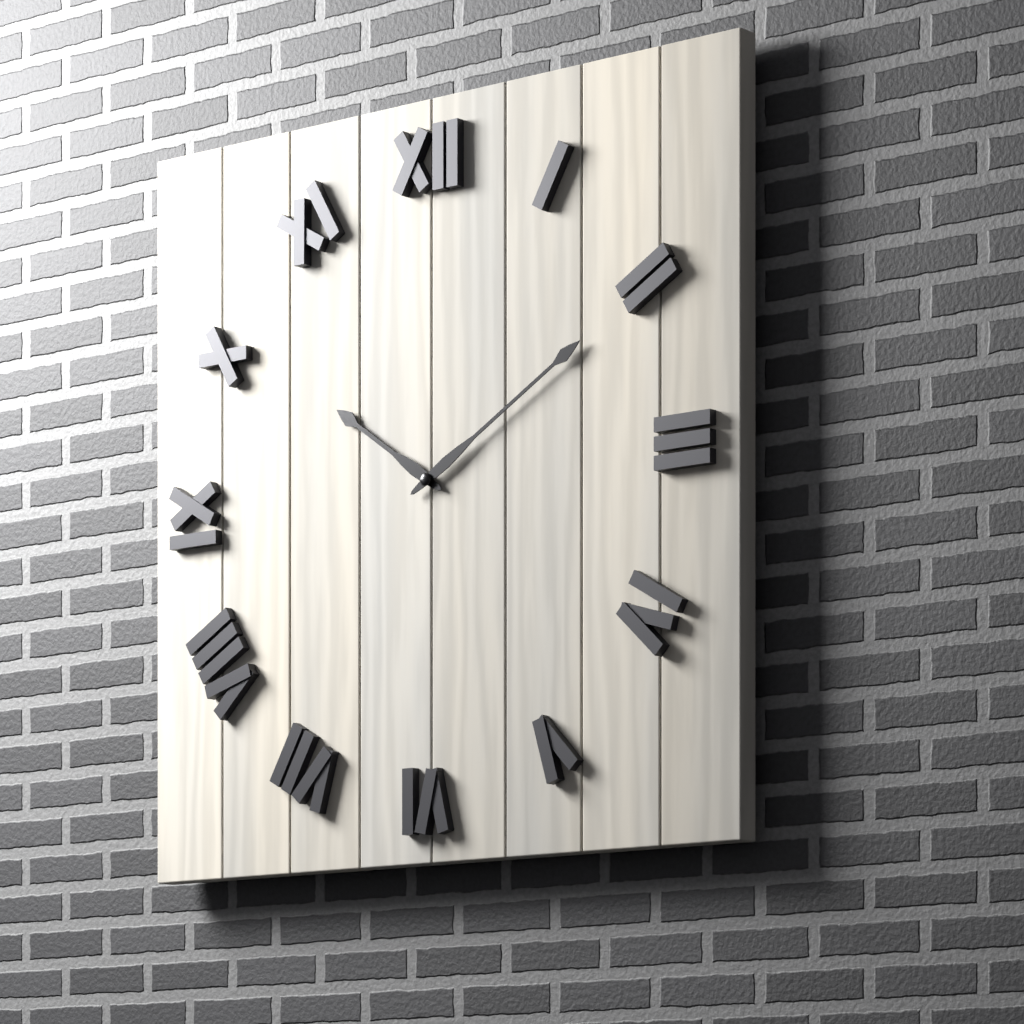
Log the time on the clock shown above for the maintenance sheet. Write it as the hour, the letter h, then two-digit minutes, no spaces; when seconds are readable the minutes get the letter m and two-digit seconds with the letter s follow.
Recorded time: 10h10
